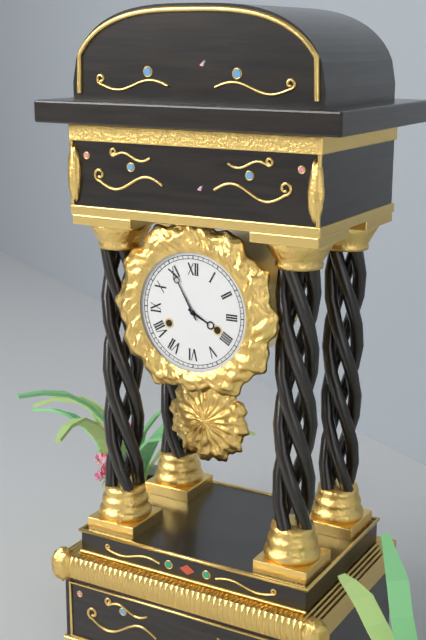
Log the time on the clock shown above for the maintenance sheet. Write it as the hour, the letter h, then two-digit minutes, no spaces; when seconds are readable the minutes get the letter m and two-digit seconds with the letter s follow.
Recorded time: 3h55
